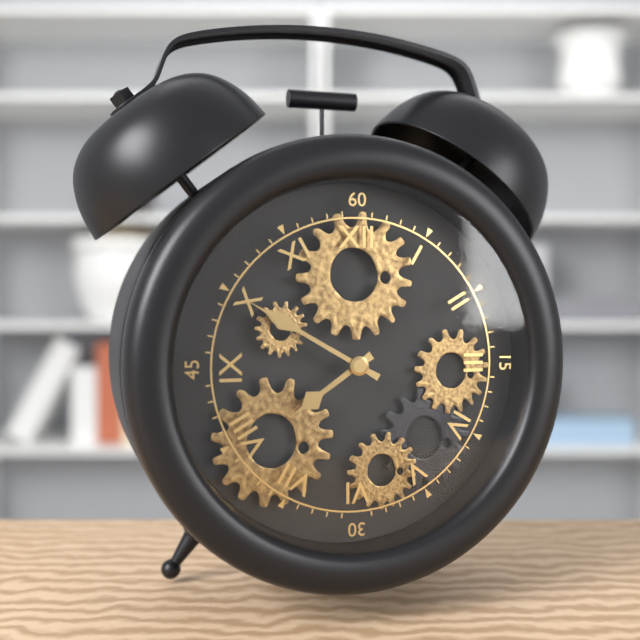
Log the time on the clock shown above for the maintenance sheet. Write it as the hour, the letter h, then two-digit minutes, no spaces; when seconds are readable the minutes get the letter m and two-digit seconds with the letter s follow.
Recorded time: 7h50
